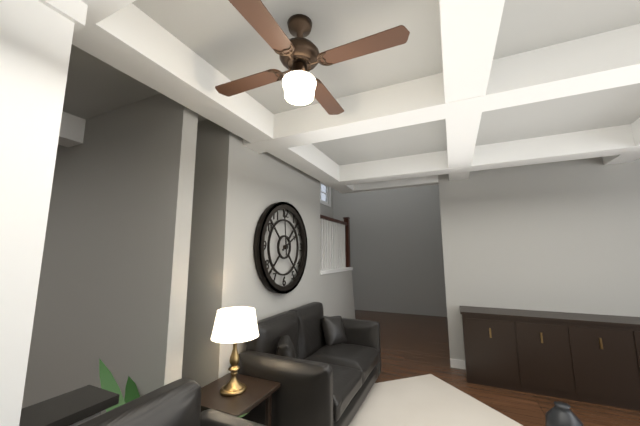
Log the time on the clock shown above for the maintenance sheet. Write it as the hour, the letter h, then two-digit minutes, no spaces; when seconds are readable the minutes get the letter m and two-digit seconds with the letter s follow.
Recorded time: 1h59
